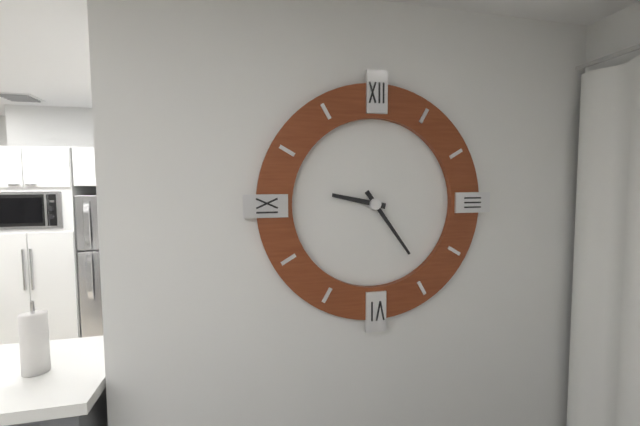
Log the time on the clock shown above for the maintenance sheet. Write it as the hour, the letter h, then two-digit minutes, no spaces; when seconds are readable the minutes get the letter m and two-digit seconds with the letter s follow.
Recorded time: 9h24
